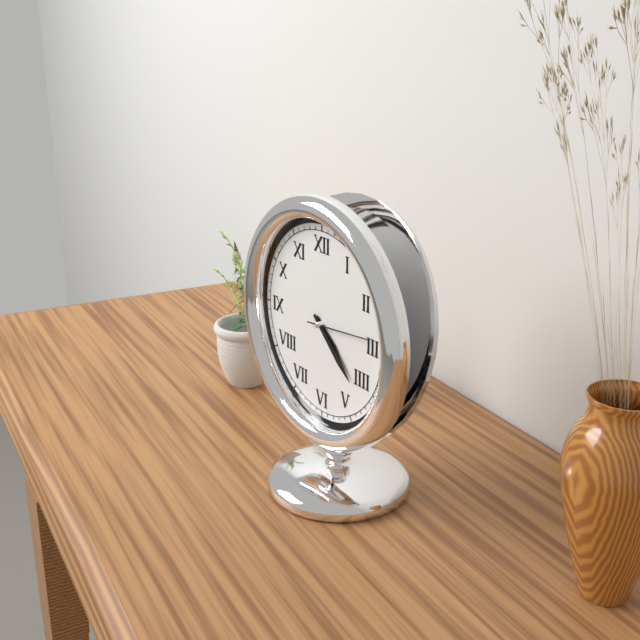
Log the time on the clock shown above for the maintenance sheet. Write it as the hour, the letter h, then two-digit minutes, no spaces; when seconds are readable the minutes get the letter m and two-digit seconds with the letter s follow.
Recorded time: 4h22m14s
